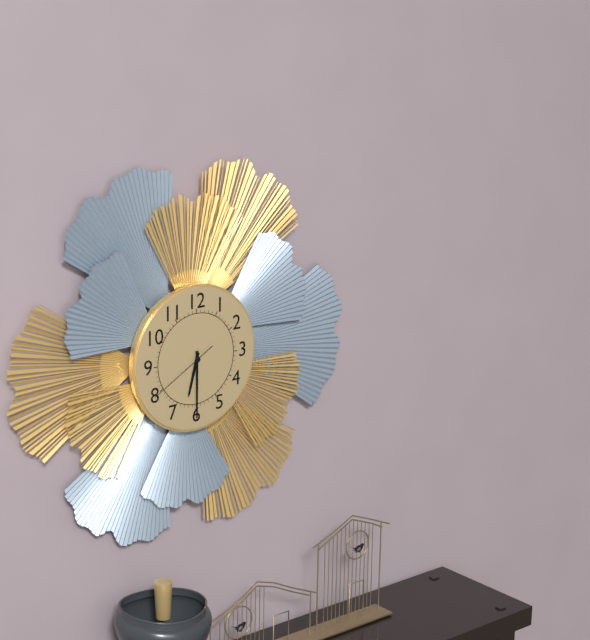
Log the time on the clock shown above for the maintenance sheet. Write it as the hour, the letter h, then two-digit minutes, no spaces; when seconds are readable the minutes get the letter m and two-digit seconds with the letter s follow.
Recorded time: 6h30m40s
